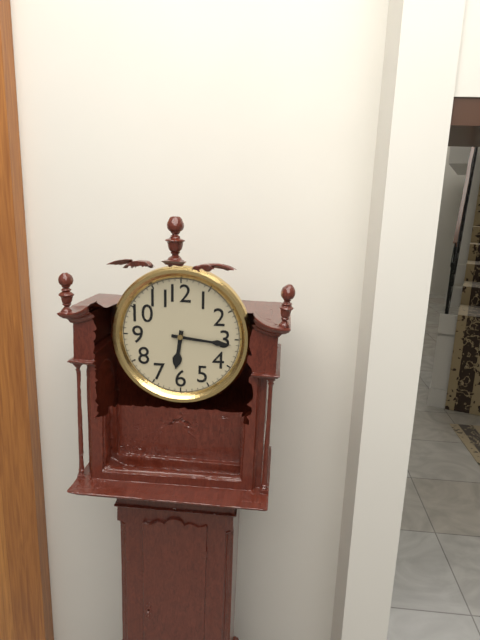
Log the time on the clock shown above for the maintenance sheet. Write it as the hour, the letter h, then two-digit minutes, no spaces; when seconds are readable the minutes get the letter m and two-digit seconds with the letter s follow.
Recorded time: 6h16
